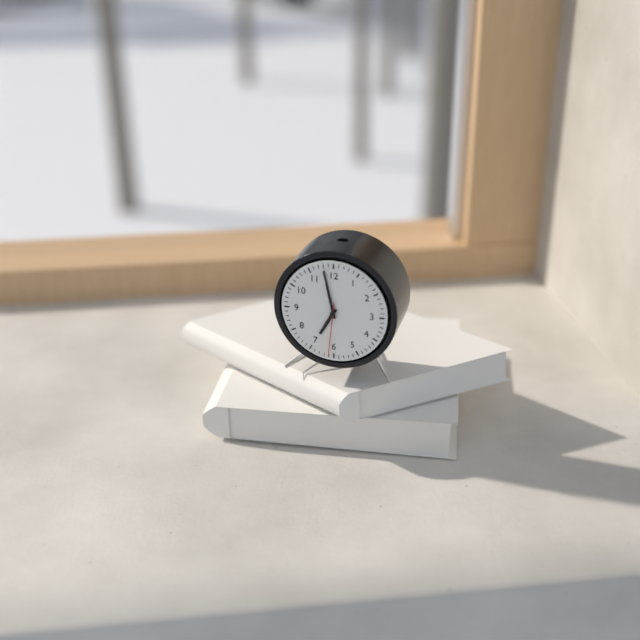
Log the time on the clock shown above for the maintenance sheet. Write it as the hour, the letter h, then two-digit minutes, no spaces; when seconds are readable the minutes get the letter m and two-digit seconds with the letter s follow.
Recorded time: 6h58m31s
